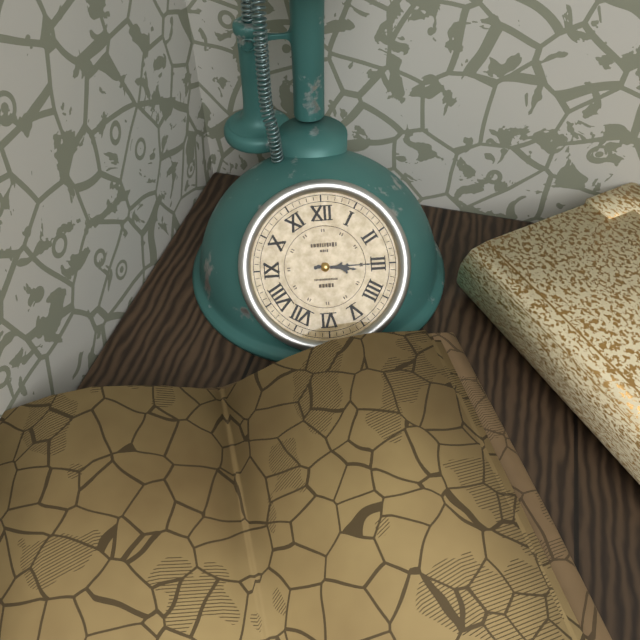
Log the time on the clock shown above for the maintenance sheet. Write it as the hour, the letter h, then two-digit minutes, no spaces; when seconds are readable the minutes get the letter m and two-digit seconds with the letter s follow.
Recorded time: 3h15
